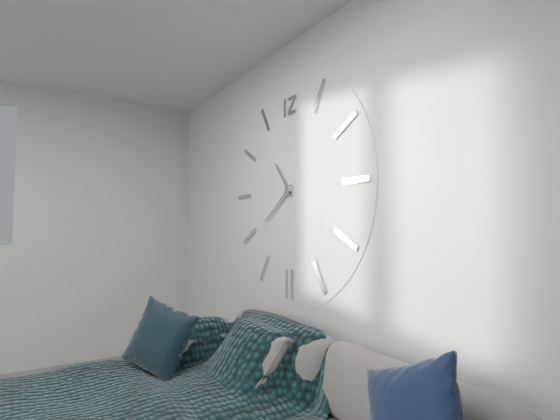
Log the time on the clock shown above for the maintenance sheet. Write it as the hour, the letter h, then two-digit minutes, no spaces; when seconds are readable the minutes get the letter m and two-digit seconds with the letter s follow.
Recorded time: 10h39
